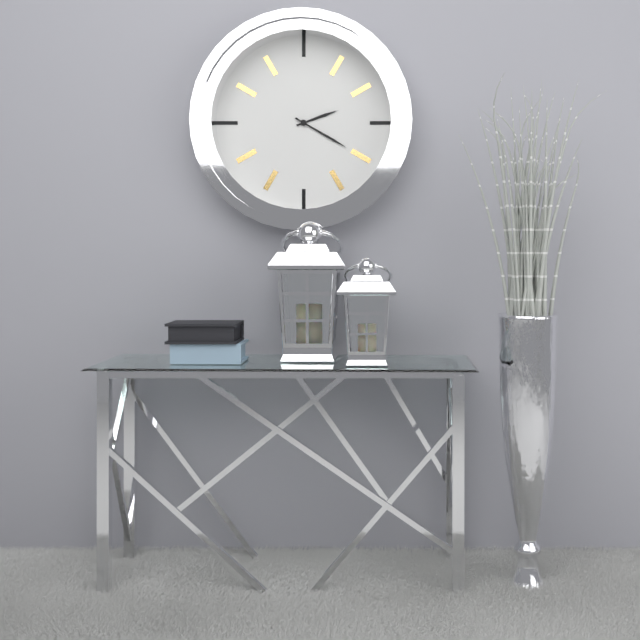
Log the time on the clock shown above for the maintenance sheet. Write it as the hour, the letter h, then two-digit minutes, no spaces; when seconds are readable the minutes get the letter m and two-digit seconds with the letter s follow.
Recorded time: 2h20
